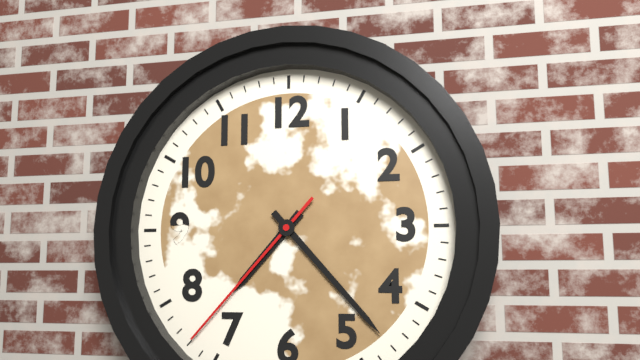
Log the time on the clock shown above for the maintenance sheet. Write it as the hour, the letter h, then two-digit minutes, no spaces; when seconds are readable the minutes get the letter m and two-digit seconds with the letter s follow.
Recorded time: 7h23m37s
